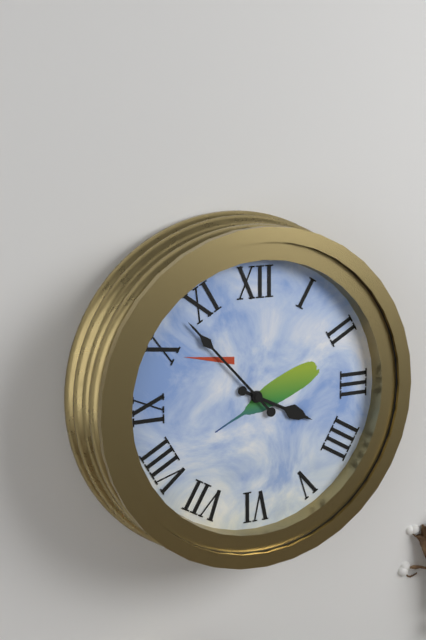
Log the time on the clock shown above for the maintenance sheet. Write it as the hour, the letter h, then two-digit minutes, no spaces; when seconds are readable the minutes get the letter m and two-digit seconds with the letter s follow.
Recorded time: 3h53
